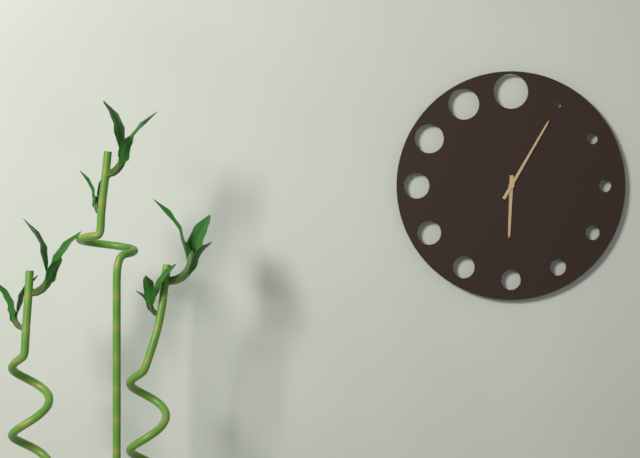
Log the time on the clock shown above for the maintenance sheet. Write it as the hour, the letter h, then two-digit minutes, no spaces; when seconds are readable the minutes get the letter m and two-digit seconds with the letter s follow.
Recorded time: 6h05
